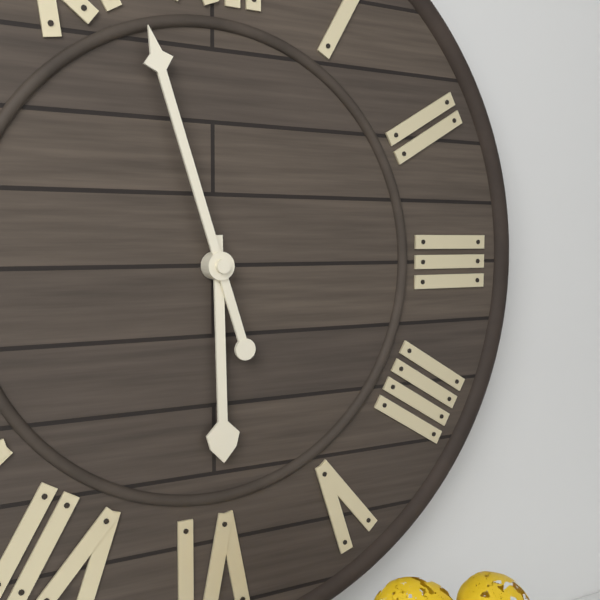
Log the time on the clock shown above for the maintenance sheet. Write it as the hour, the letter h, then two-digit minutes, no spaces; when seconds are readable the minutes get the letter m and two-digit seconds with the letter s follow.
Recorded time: 5h57
